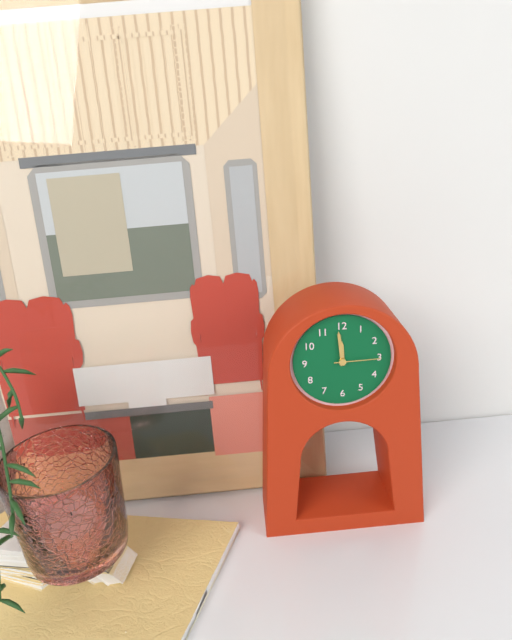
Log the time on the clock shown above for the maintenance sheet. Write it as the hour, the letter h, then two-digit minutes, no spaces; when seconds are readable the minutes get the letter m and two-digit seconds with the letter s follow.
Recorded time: 11h59
